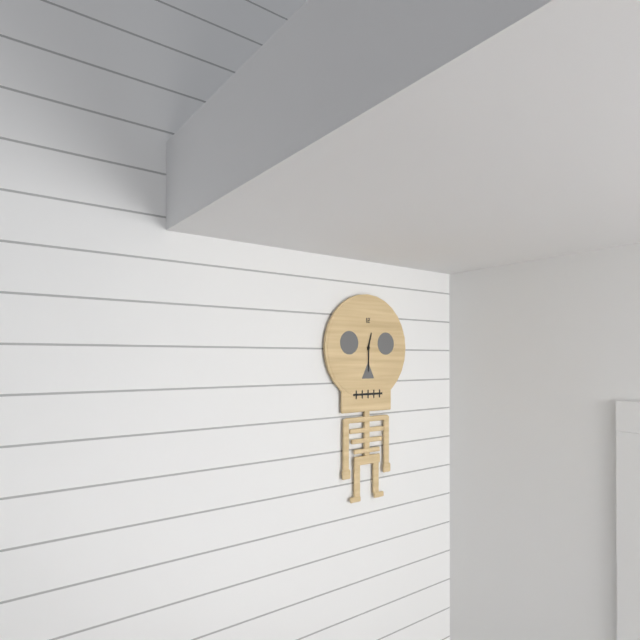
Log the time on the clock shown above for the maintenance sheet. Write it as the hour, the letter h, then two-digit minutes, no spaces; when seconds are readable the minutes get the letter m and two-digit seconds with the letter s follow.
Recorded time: 12h30
